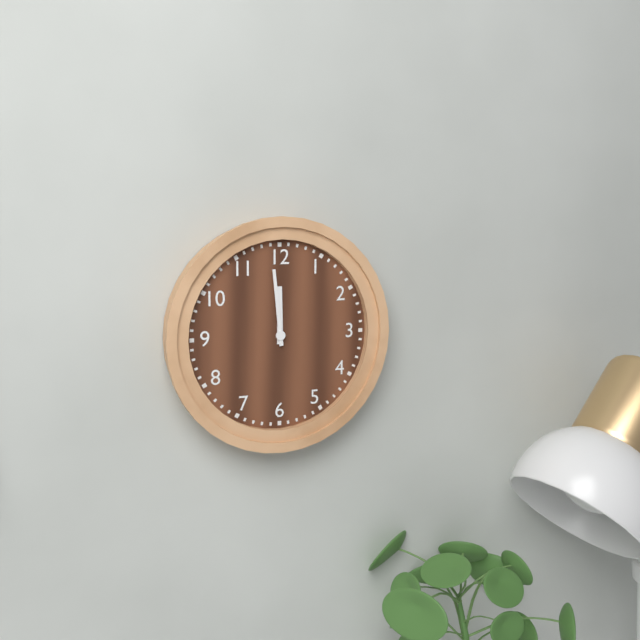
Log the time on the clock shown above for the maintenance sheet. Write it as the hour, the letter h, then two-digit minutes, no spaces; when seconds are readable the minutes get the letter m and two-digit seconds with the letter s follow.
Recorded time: 11h59
